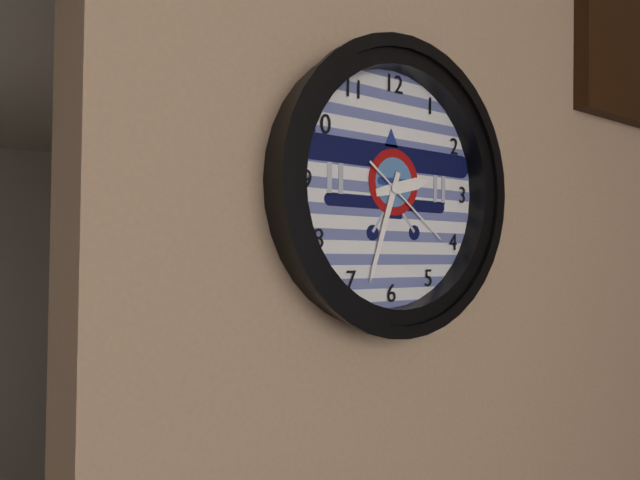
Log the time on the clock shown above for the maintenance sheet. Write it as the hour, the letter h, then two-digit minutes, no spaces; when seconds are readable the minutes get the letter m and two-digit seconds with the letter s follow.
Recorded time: 2h33m21s
